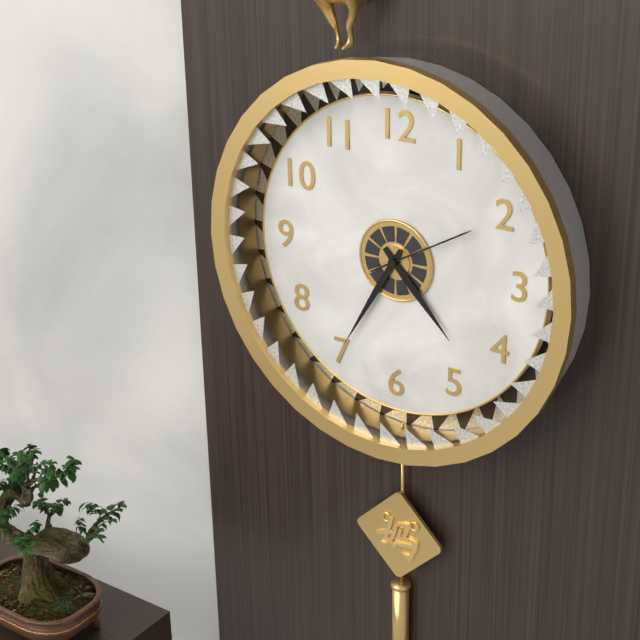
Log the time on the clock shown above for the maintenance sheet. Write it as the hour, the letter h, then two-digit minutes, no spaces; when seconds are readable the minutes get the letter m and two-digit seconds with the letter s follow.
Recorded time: 4h35m10s
